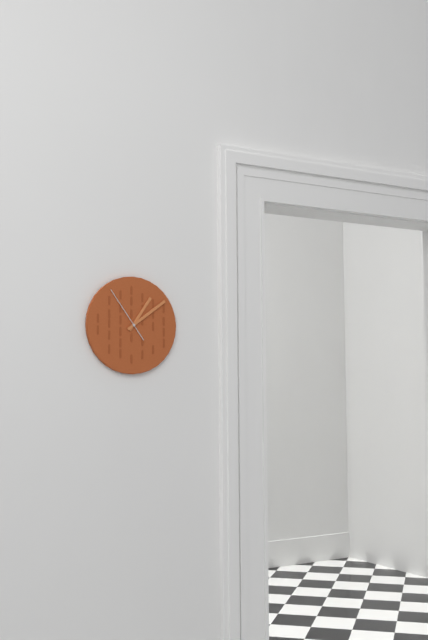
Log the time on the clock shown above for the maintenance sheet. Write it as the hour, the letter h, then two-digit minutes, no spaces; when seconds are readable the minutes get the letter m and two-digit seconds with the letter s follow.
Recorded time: 1h09m54s
